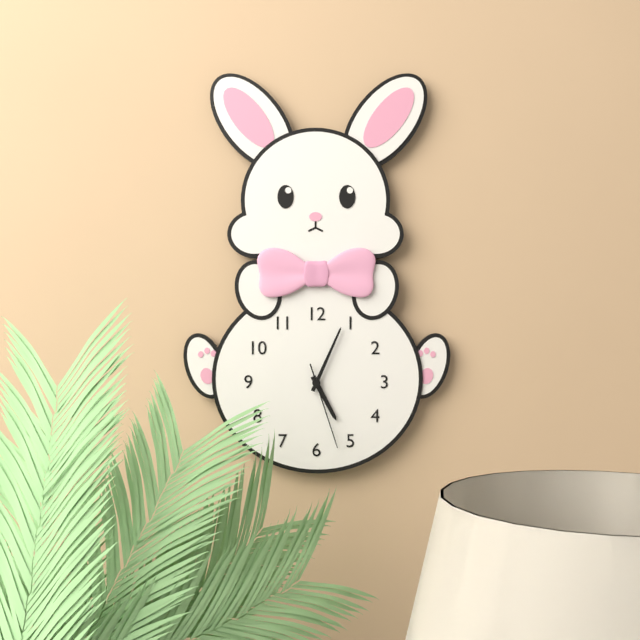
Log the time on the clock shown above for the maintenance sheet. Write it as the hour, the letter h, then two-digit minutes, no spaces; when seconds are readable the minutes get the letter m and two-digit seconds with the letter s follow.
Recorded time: 5h04m27s
